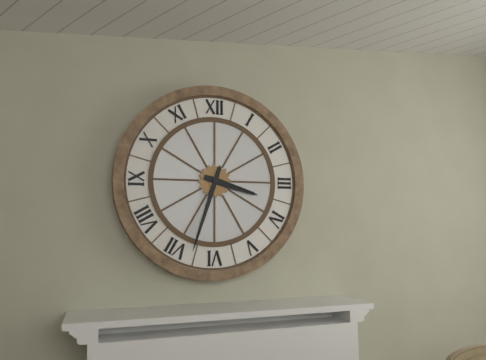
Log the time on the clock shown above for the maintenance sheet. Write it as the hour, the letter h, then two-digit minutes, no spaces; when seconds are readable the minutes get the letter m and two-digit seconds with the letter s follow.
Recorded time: 3h33
